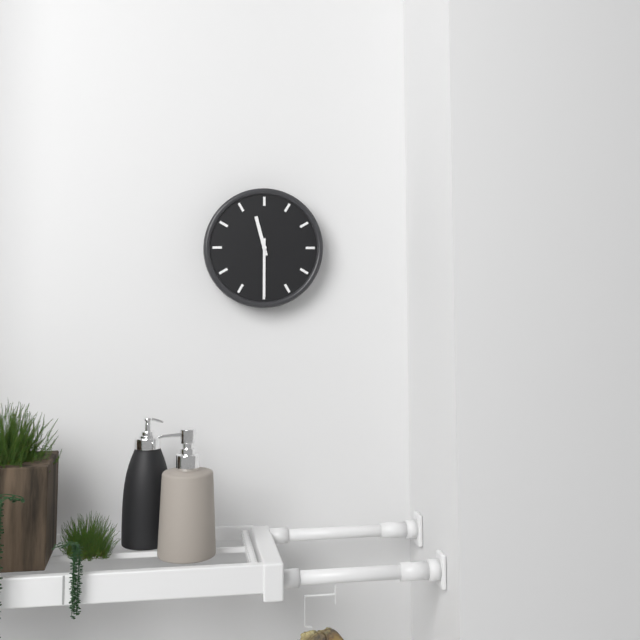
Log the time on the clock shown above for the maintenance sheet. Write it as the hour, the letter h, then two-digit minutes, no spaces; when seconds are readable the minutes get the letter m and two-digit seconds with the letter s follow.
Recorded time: 11h30
